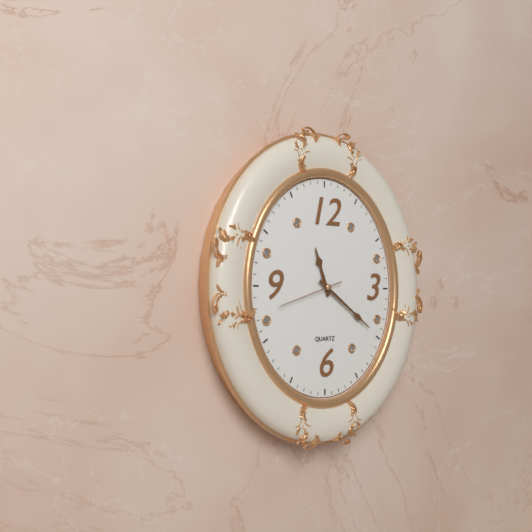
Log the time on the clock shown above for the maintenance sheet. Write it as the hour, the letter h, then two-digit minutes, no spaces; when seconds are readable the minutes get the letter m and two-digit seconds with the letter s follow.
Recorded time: 11h21m42s
